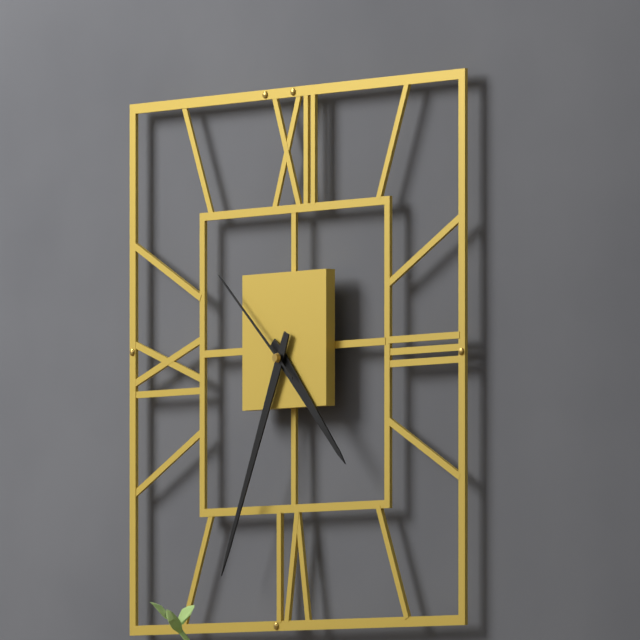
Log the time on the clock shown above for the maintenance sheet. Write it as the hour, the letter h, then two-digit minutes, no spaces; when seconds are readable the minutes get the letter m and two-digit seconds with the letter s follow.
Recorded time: 4h34m52s
